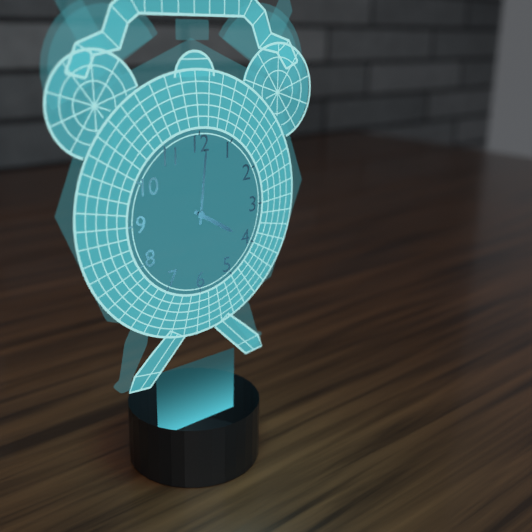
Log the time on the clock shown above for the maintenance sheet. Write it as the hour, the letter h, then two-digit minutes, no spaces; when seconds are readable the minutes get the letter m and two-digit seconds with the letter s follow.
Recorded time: 4h01
